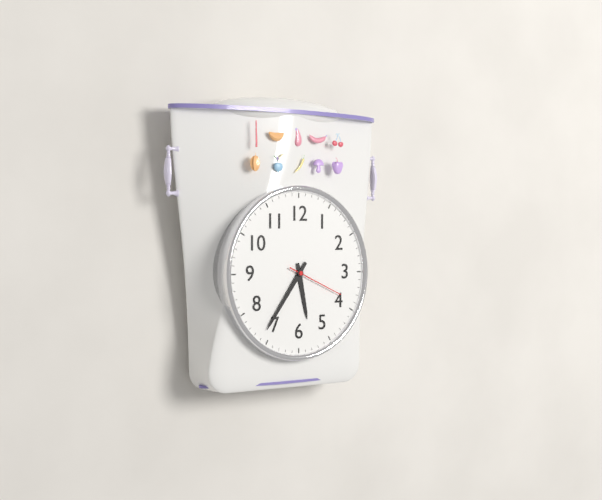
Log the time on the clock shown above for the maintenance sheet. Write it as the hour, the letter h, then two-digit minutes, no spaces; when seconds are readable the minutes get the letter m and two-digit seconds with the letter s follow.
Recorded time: 5h36m19s
